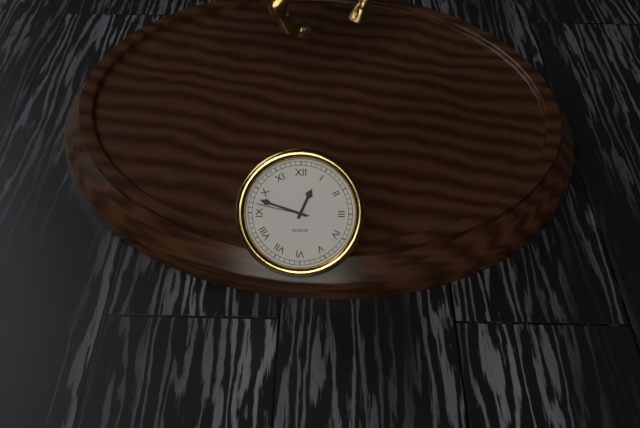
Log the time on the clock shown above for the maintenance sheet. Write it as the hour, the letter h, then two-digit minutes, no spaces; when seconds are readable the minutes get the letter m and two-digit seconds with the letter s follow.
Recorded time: 12h48m47s
